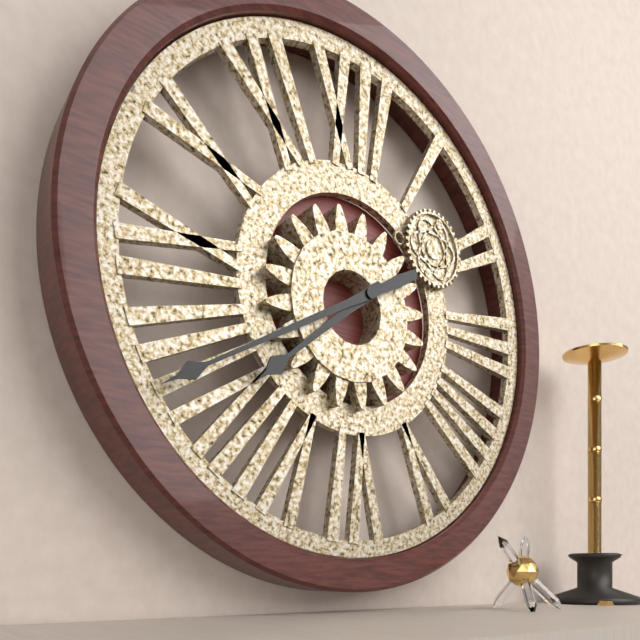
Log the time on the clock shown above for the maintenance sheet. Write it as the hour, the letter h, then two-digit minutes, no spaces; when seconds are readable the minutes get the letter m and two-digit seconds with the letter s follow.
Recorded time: 7h40
